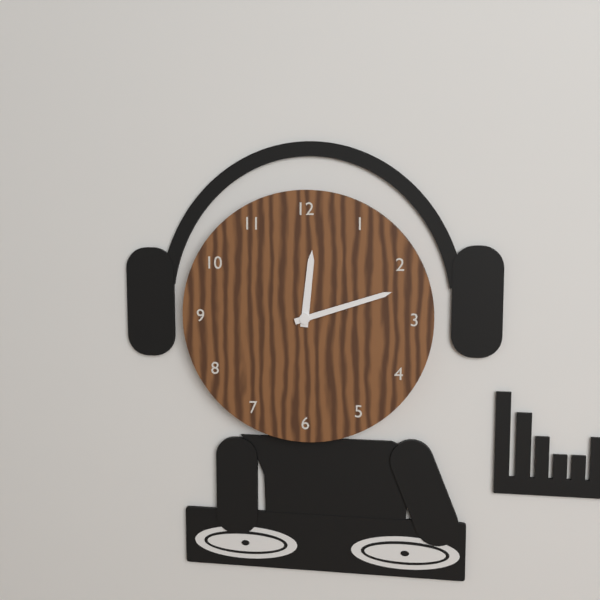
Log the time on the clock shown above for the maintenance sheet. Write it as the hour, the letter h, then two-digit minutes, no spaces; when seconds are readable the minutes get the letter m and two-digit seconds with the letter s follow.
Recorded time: 12h12
